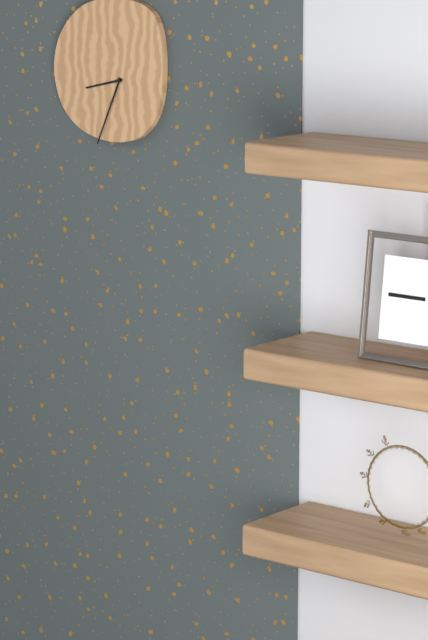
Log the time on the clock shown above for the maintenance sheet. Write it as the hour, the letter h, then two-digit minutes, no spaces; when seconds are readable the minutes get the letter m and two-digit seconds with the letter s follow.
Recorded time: 8h34
